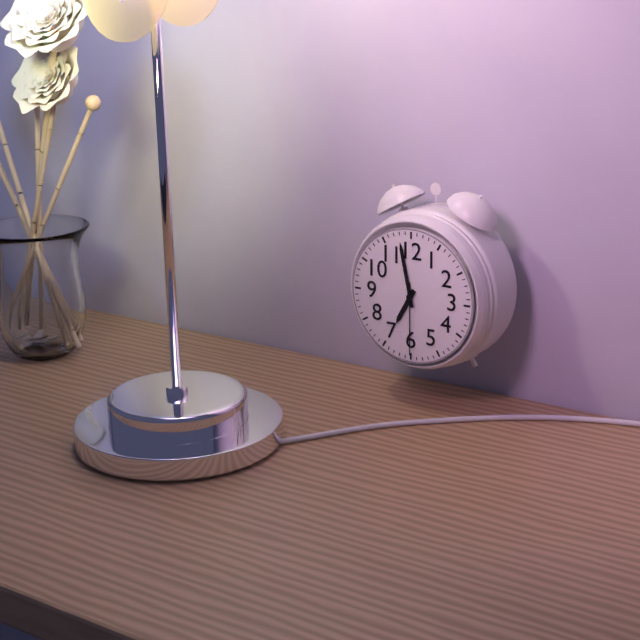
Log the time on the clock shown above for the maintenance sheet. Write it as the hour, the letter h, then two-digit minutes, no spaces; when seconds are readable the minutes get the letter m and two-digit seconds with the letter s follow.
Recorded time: 6h58m30s
